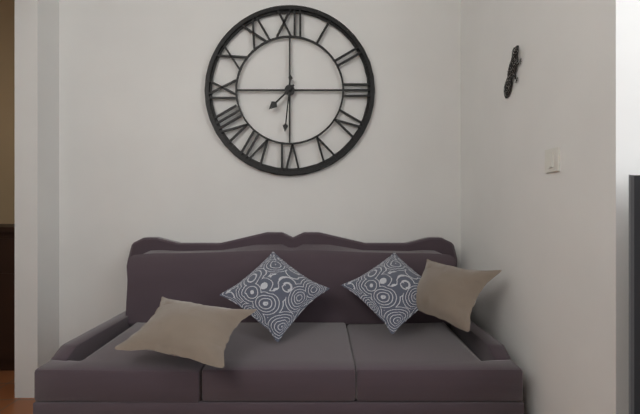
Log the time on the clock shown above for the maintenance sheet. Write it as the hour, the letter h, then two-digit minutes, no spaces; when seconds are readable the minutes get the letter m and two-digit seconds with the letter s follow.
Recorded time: 7h31
